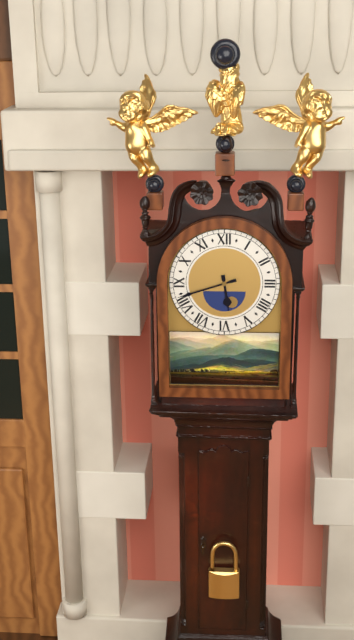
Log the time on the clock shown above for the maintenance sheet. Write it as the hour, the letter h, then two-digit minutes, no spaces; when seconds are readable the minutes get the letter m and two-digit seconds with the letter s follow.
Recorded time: 5h42
